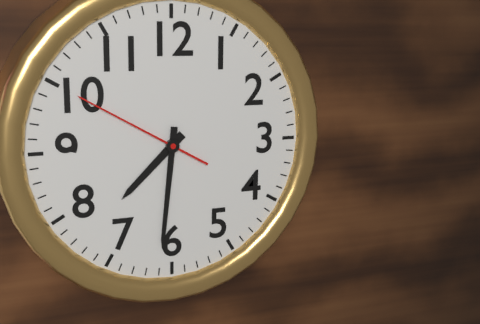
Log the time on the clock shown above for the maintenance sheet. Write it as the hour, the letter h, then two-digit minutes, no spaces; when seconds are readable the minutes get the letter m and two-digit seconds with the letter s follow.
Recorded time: 7h31m50s
